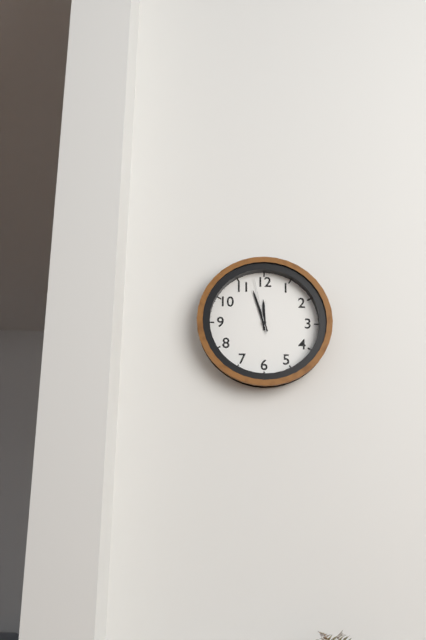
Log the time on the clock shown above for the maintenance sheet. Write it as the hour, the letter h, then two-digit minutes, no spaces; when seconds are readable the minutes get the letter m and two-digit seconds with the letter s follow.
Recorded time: 11h57m58s
